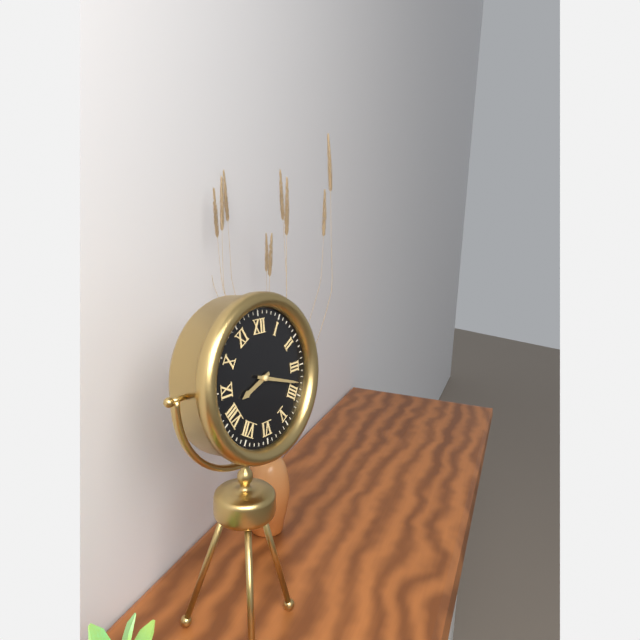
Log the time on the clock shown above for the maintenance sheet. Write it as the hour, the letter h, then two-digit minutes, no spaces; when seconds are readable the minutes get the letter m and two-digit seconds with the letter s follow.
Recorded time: 8h18
